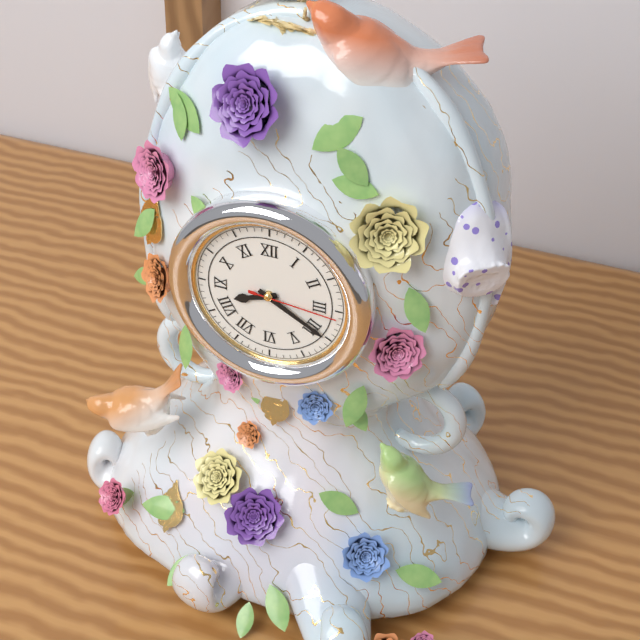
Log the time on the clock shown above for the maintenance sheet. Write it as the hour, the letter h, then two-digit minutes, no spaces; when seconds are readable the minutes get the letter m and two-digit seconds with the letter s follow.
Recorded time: 8h20m16s
